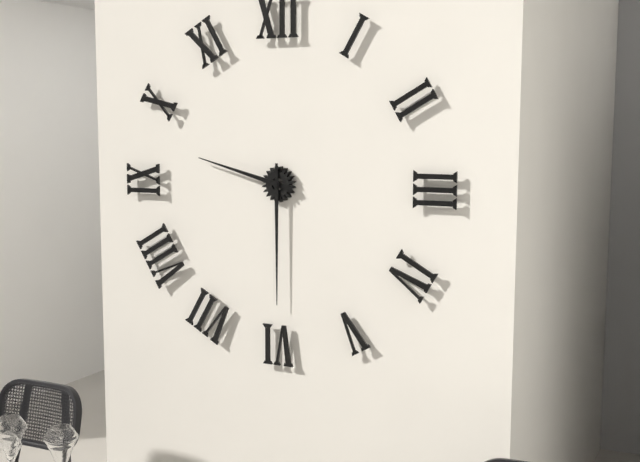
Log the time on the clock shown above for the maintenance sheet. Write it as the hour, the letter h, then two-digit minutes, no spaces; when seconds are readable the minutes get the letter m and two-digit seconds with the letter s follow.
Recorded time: 9h30
